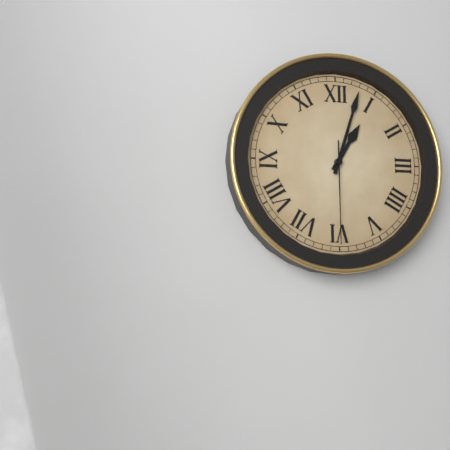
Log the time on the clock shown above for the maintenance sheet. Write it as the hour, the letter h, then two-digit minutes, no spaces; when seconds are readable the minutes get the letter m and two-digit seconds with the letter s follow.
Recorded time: 1h03m30s
